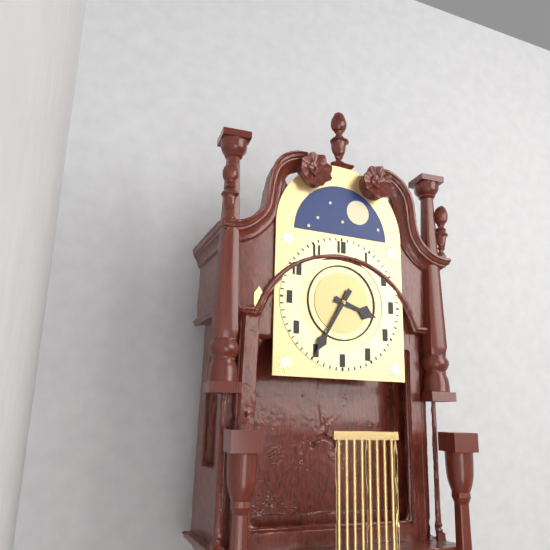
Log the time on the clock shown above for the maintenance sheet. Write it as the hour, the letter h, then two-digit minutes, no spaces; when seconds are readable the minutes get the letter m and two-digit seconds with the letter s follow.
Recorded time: 3h35
